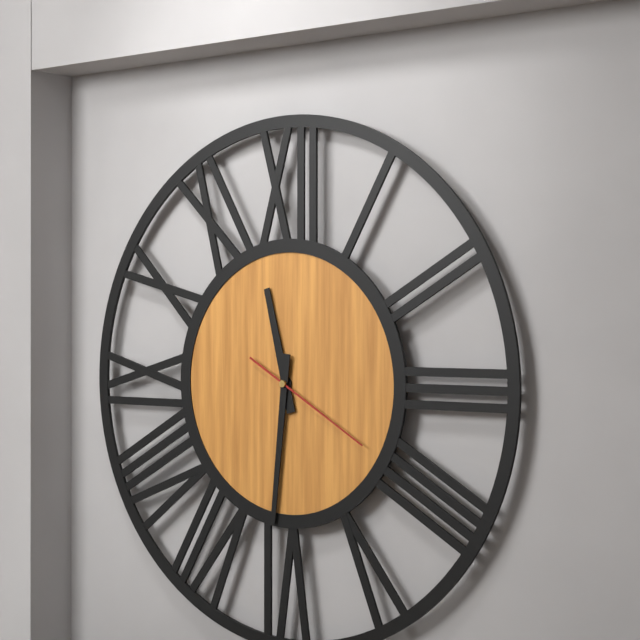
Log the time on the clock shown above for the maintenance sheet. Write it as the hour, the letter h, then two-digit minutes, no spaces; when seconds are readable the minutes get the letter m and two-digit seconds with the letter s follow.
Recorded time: 11h31m20s
